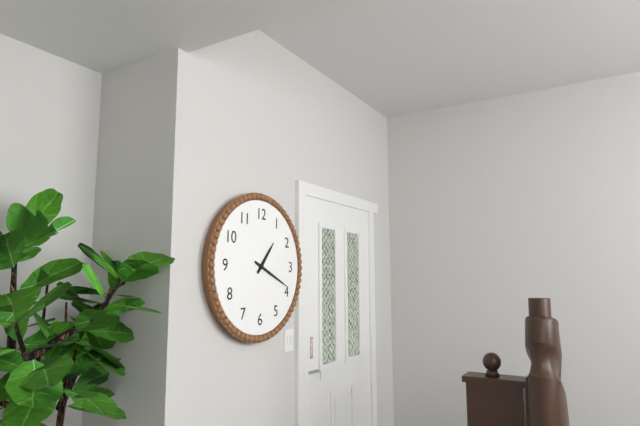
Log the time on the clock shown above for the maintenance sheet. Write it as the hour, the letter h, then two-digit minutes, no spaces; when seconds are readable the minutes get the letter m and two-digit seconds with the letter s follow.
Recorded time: 1h19
